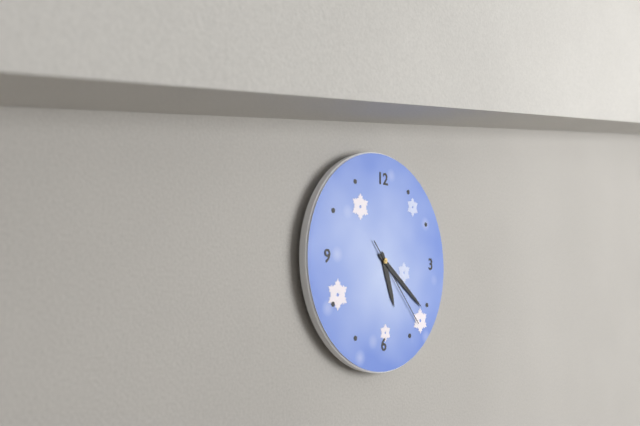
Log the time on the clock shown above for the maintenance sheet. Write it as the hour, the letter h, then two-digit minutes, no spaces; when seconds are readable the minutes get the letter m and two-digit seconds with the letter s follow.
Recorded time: 5h21m23s
